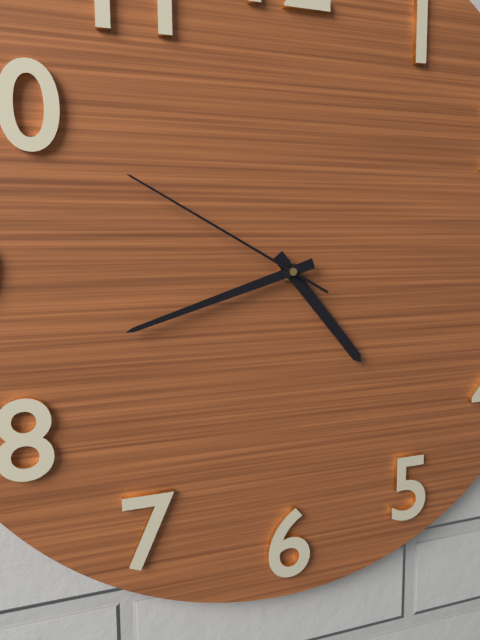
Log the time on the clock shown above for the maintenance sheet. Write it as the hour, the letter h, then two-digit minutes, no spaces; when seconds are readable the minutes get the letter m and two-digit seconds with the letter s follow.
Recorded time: 4h42m50s
